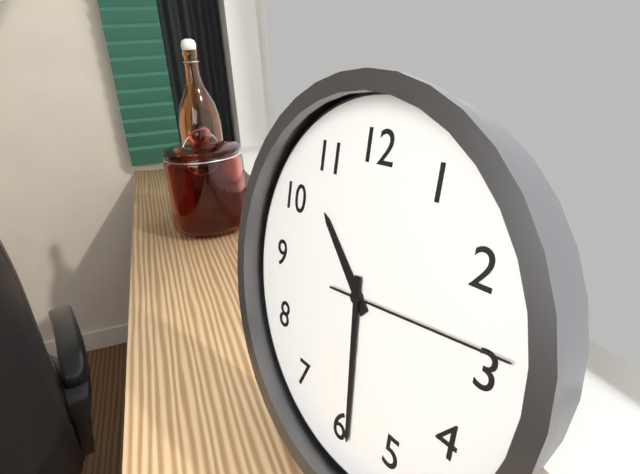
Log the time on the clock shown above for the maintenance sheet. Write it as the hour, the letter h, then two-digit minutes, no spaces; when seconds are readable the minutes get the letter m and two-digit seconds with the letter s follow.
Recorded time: 10h29m14s
